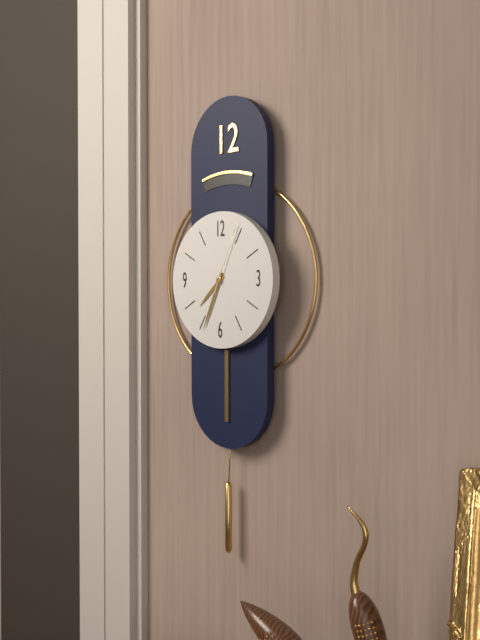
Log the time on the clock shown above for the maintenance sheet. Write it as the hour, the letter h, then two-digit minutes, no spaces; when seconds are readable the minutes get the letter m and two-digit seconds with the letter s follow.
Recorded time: 7h34m04s
